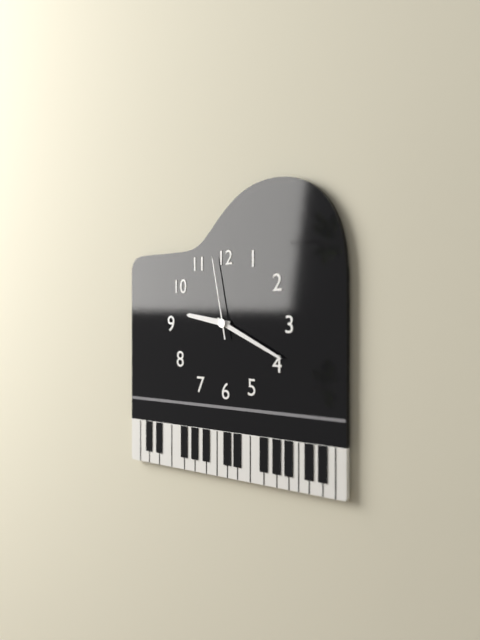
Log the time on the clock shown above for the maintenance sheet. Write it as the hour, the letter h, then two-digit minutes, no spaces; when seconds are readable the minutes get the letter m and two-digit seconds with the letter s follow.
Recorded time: 9h19m58s
